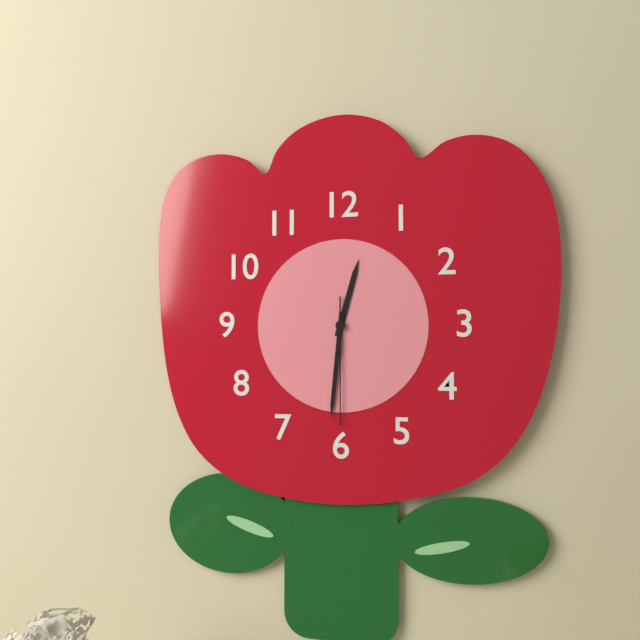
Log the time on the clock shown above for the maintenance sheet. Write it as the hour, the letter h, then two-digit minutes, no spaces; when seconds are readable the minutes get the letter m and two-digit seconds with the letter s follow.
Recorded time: 12h31m30s
